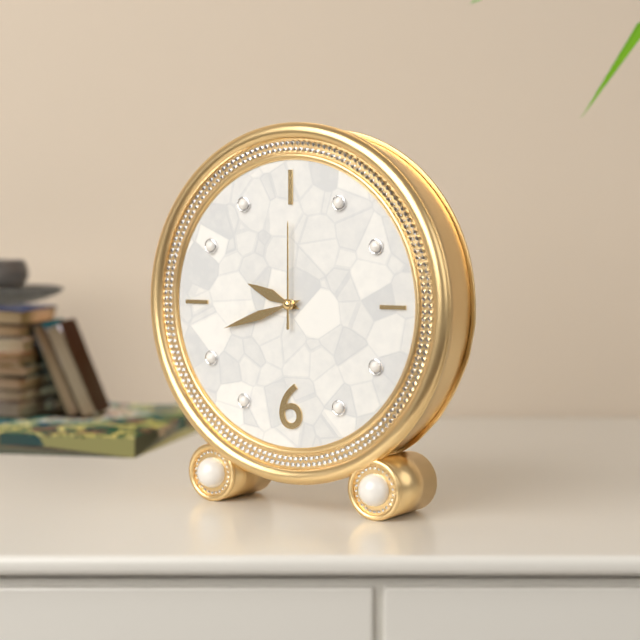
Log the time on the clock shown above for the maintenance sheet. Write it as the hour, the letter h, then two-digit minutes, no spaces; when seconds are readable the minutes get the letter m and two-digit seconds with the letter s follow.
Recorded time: 9h42m00s
